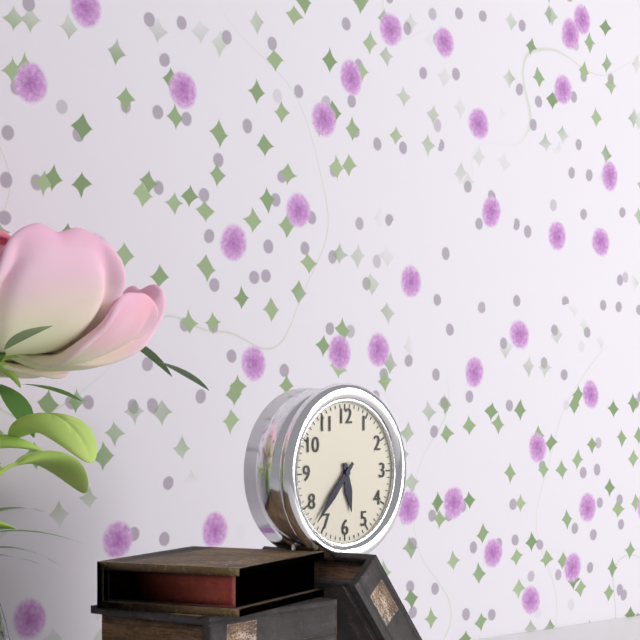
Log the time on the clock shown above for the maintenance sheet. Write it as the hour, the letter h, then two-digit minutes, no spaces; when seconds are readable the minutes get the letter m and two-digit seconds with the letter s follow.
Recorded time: 5h37
